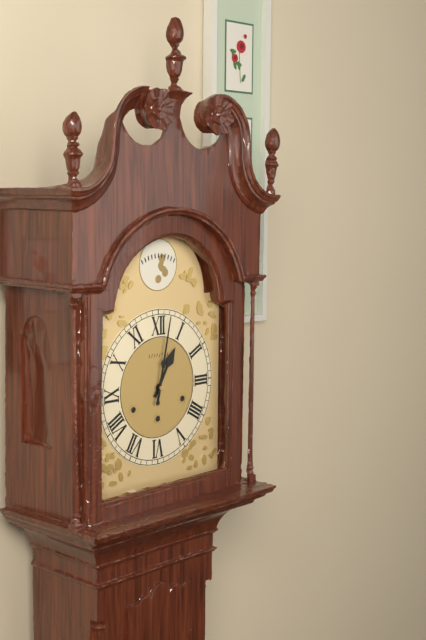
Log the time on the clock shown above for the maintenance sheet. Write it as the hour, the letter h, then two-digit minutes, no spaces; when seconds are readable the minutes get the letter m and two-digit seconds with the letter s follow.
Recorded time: 1h02
